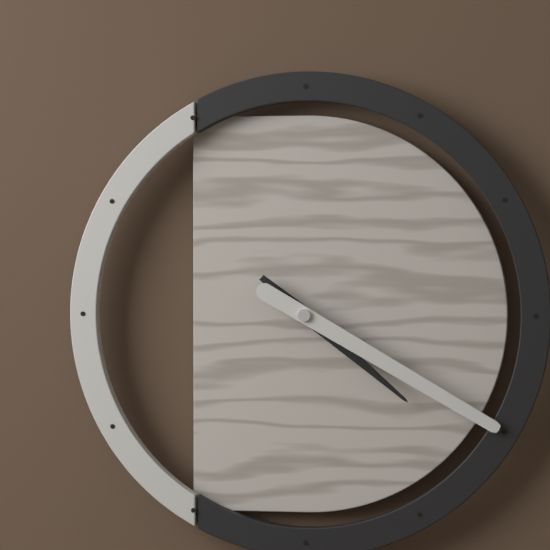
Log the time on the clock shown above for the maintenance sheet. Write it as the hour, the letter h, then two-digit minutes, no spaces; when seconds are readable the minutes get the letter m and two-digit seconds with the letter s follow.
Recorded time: 4h20
